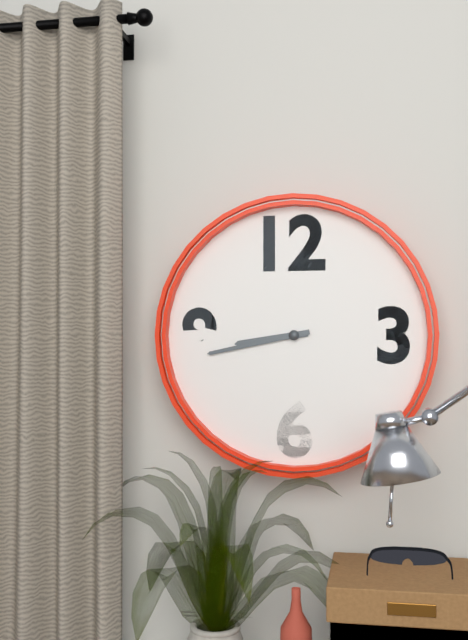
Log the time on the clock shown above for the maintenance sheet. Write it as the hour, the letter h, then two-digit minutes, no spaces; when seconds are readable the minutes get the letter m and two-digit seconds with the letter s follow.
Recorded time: 8h43
